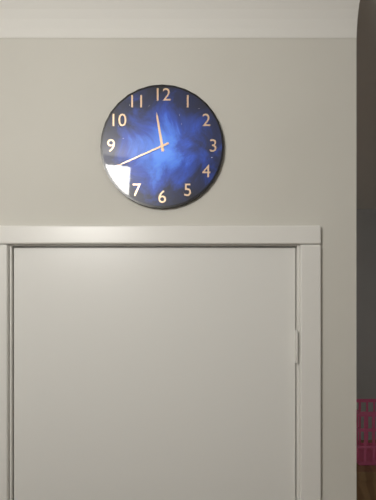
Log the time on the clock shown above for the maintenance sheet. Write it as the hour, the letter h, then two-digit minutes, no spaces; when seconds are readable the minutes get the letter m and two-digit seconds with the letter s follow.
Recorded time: 11h41
